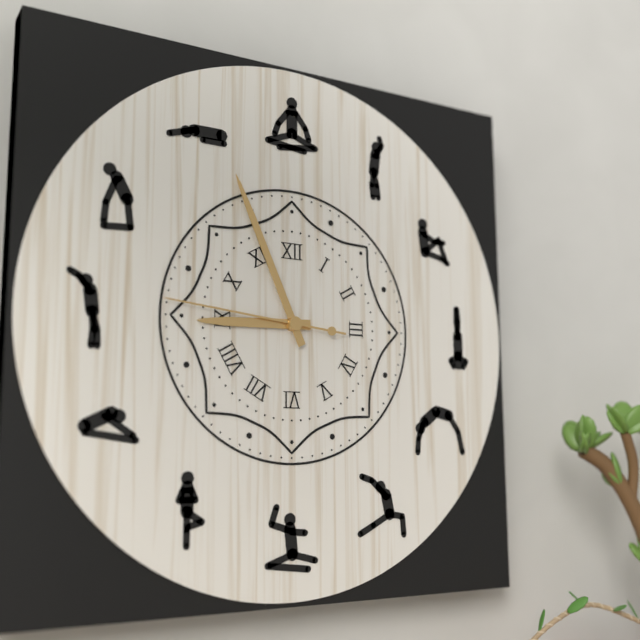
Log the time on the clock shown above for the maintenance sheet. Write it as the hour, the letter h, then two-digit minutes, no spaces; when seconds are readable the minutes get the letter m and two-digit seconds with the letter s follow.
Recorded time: 8h56m46s
